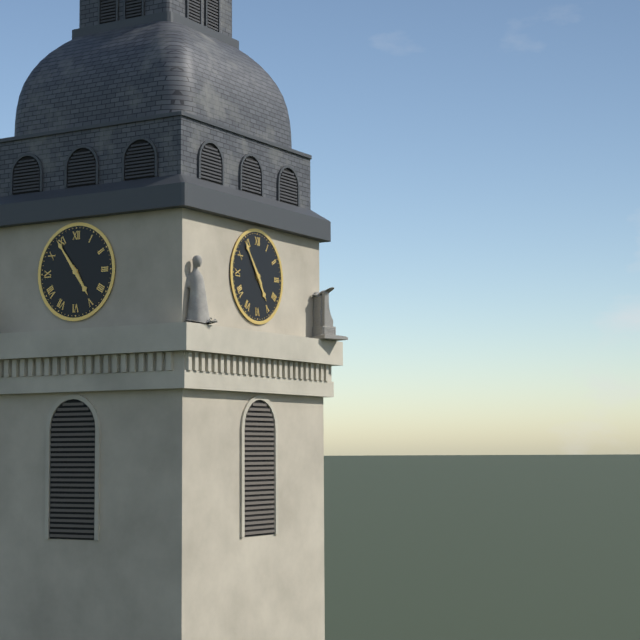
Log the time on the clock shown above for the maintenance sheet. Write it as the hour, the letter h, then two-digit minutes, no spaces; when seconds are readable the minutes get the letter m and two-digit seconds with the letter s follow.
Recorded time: 4h54
